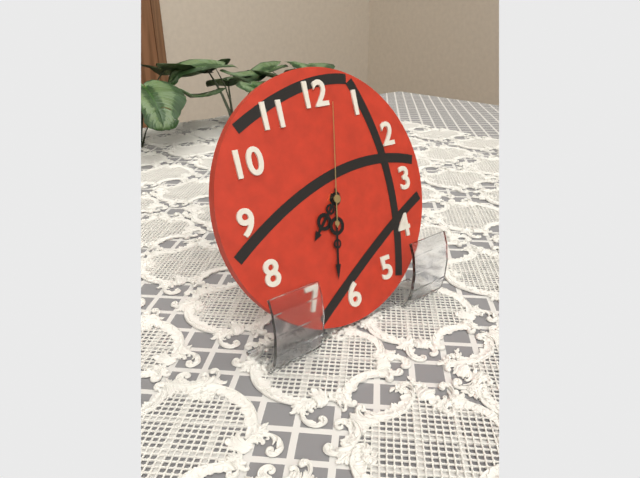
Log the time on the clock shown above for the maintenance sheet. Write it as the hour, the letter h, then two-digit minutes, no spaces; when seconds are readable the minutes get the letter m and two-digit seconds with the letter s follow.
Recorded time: 7h32m02s
